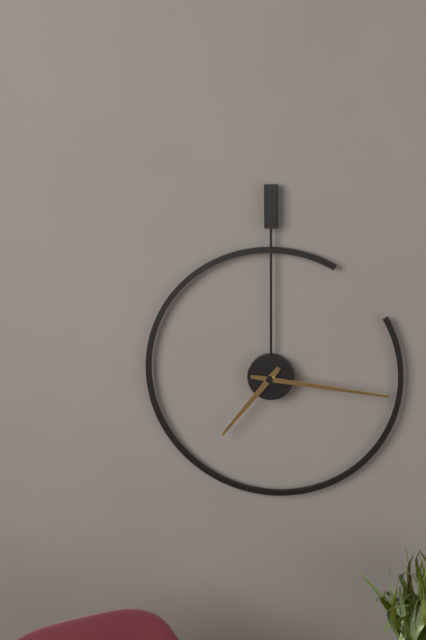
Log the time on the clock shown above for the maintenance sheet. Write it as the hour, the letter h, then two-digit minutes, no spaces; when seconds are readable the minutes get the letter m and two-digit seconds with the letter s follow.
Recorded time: 7h16
